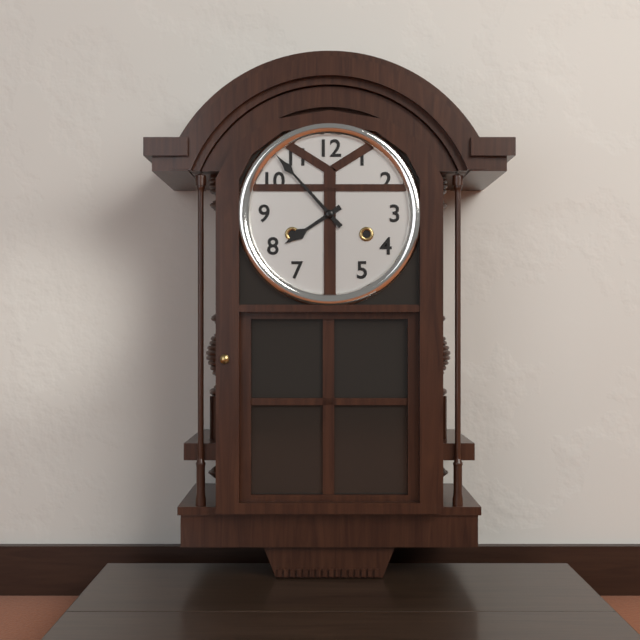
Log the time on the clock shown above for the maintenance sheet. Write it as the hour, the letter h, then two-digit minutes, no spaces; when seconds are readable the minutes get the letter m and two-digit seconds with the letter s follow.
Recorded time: 7h53
